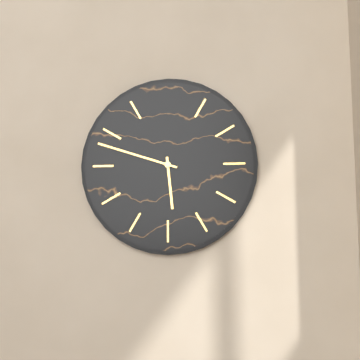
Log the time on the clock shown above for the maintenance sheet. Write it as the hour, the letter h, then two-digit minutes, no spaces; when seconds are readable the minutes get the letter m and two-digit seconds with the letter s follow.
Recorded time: 5h48
